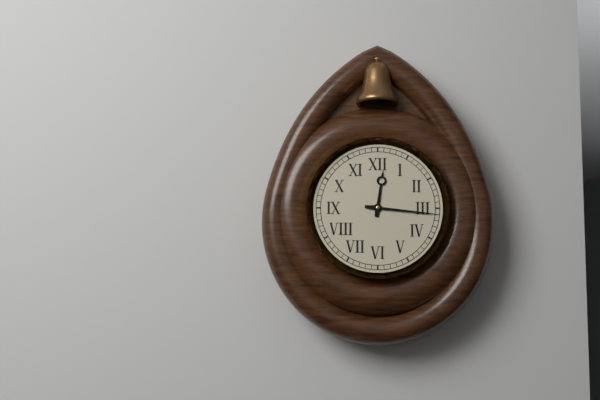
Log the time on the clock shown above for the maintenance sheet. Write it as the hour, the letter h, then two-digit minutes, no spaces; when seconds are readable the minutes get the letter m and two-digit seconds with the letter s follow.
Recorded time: 12h16
